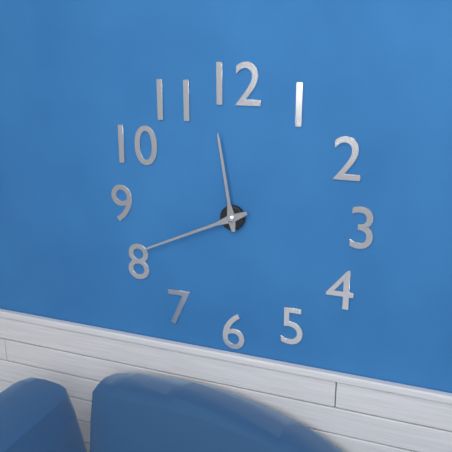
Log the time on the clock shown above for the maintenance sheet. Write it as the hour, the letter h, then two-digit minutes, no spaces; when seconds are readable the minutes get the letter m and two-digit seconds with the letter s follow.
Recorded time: 11h41
